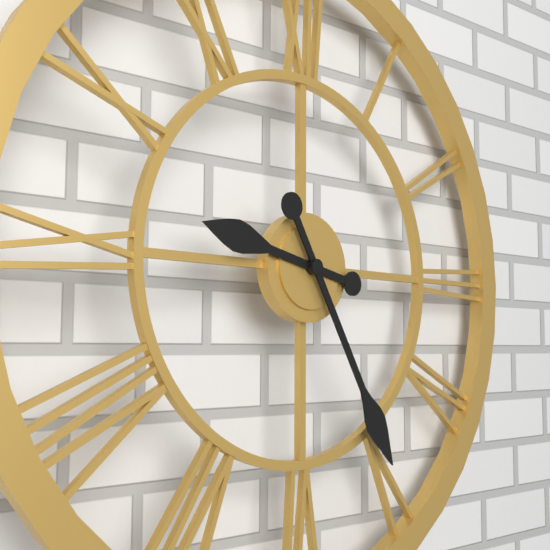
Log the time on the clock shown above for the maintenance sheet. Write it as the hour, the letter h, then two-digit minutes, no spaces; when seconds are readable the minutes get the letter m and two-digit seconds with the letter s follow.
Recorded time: 9h25
